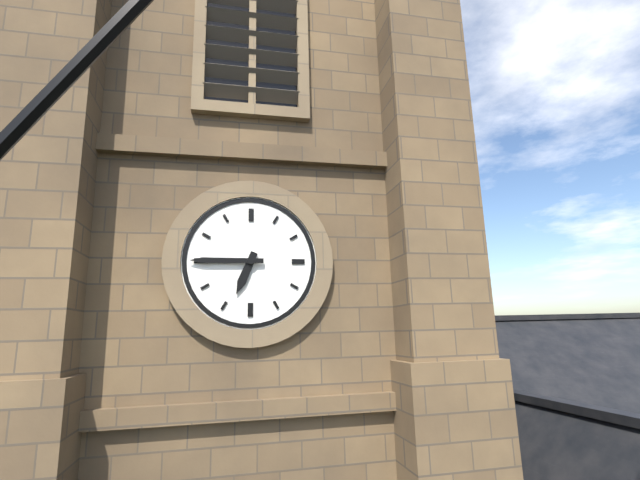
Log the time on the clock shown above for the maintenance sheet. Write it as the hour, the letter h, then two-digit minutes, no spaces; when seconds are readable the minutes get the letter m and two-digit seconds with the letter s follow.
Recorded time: 6h45
